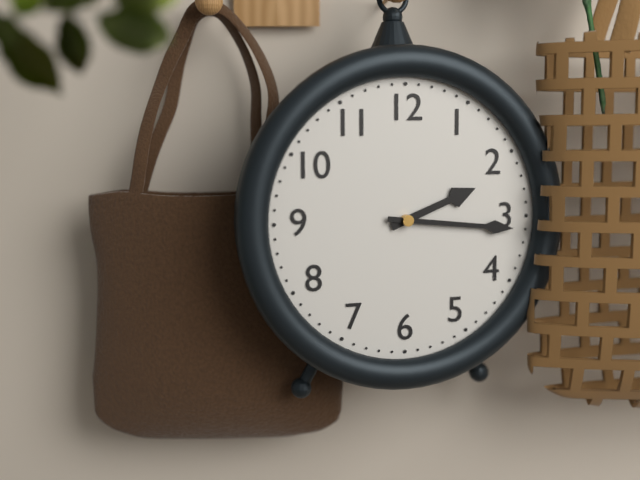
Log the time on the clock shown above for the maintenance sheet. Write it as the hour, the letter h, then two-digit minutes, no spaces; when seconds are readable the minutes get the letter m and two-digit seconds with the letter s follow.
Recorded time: 2h16
